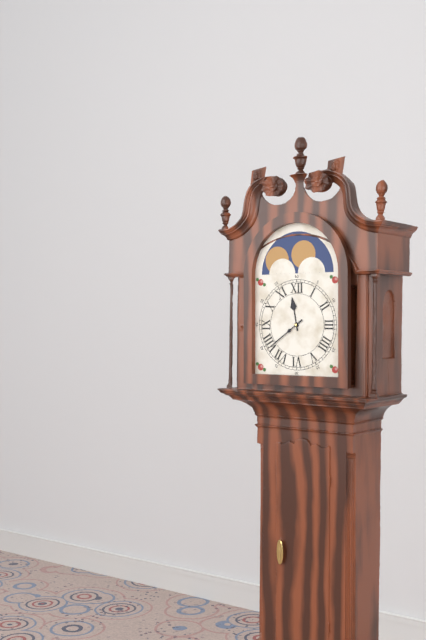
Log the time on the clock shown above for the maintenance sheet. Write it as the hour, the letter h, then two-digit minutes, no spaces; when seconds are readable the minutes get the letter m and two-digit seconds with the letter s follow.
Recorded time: 11h39
